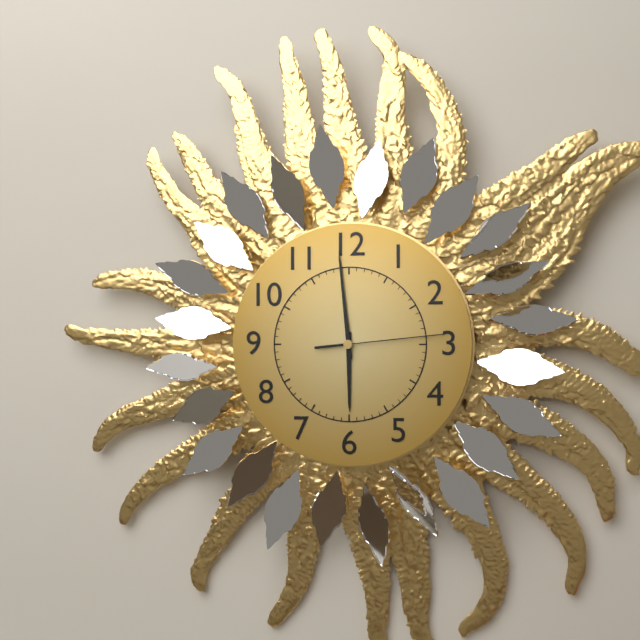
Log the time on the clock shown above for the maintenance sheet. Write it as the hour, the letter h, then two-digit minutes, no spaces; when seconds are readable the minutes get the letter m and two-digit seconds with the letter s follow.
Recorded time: 5h59m14s
